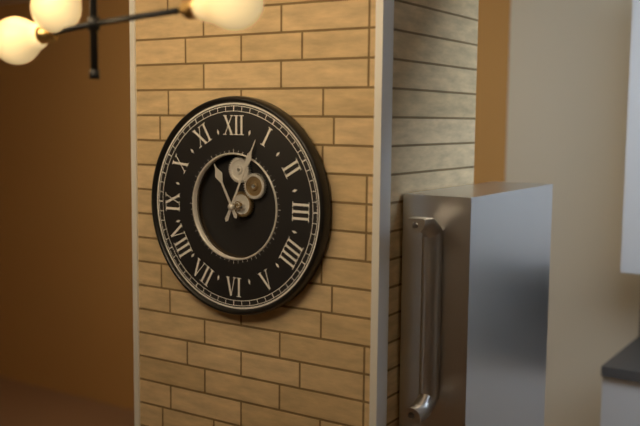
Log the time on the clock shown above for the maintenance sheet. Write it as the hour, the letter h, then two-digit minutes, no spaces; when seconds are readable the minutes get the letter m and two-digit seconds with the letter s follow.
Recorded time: 11h04
